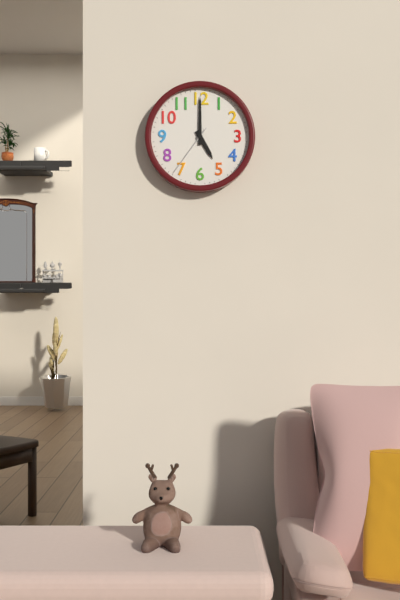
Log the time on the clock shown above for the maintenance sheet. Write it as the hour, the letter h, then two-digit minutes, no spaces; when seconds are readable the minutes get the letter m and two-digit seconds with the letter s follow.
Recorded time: 5h00m36s
